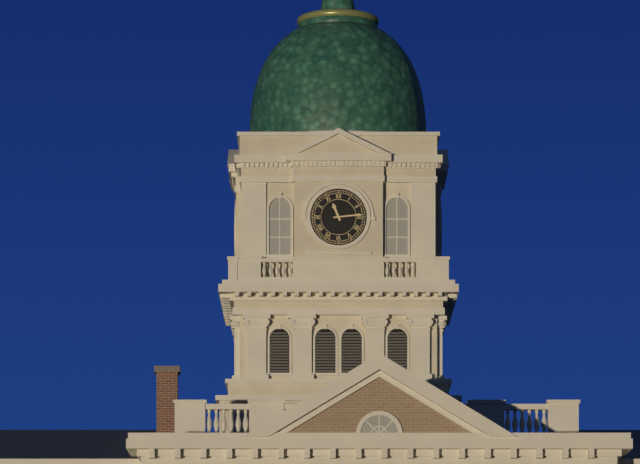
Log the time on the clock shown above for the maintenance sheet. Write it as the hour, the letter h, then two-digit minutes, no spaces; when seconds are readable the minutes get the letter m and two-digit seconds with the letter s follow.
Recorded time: 11h14
